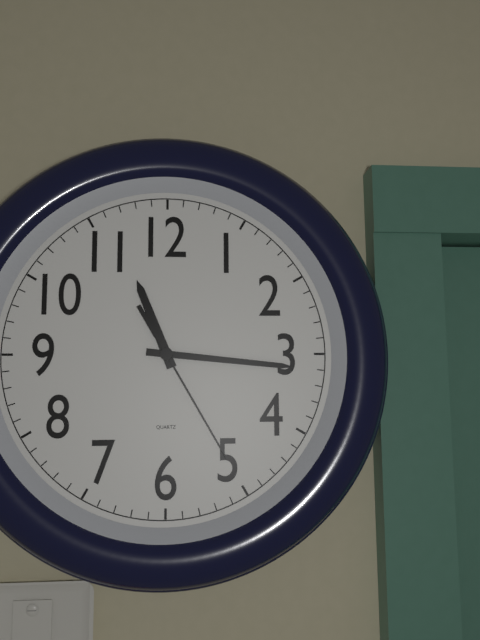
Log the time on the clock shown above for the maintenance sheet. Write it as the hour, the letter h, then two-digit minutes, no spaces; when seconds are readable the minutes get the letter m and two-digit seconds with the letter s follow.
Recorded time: 11h16m25s
